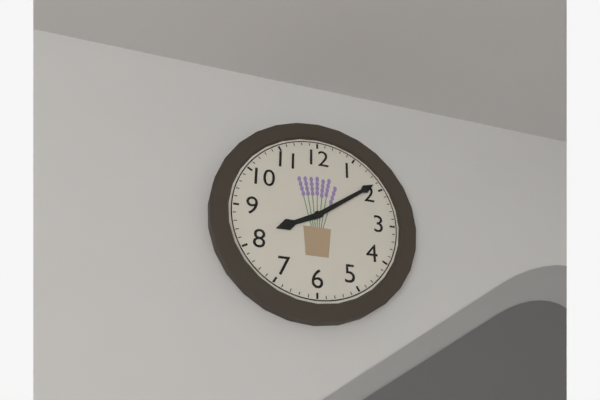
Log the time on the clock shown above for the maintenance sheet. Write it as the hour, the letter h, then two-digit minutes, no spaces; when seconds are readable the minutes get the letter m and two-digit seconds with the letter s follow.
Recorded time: 8h09
